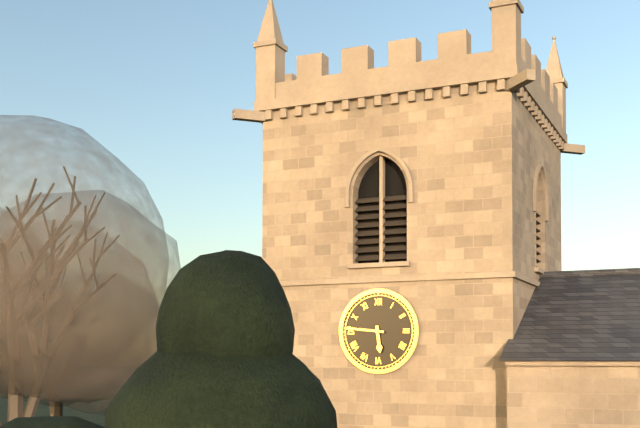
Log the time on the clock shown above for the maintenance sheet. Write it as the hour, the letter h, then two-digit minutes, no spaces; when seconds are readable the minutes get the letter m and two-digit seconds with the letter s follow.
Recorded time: 5h46
